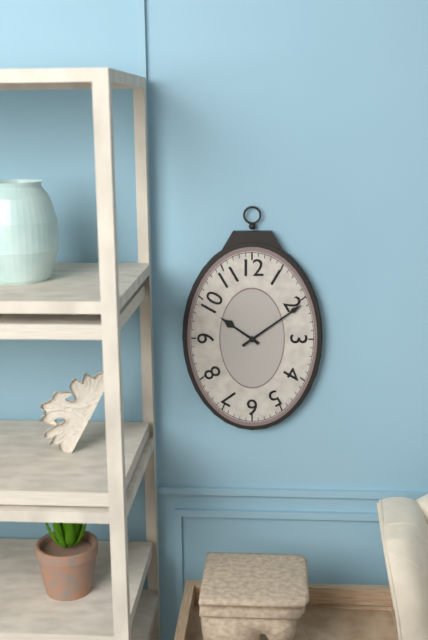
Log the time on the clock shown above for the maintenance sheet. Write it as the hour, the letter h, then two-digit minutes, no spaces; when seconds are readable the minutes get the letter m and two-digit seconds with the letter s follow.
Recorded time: 10h09
